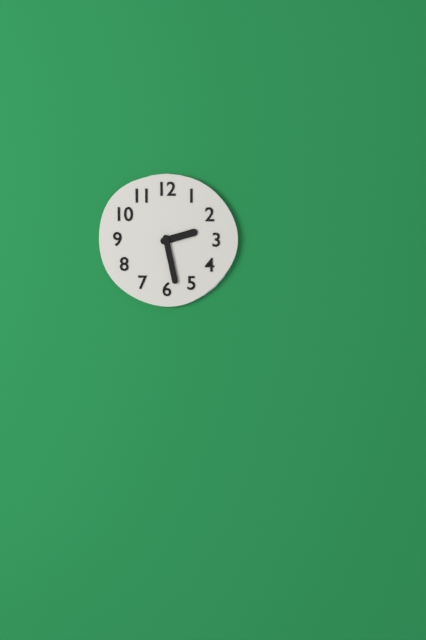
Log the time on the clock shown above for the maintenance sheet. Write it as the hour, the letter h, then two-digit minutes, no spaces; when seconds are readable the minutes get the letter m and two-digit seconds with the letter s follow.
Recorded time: 2h28
